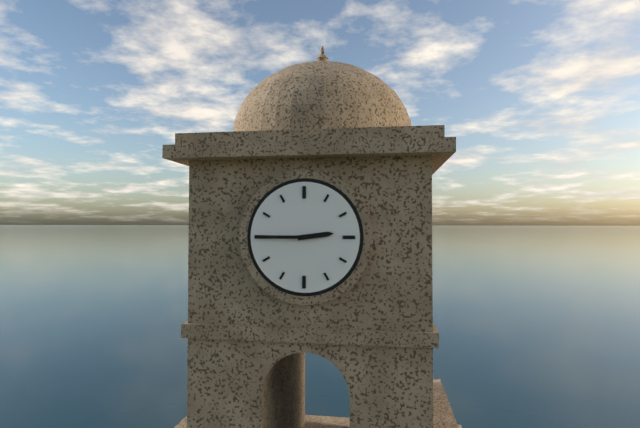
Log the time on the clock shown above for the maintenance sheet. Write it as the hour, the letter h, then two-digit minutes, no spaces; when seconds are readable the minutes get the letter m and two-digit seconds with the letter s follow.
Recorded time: 2h45
